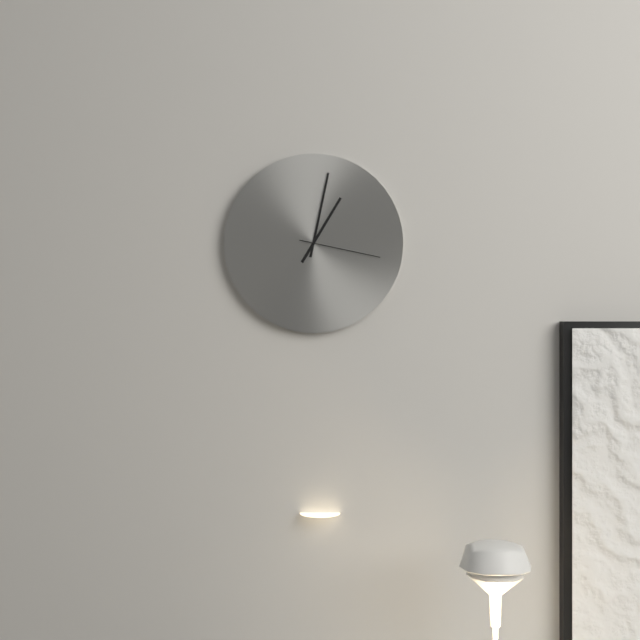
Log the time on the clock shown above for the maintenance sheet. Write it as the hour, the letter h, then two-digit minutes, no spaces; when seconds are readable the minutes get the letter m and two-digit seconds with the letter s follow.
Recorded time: 1h02m17s
